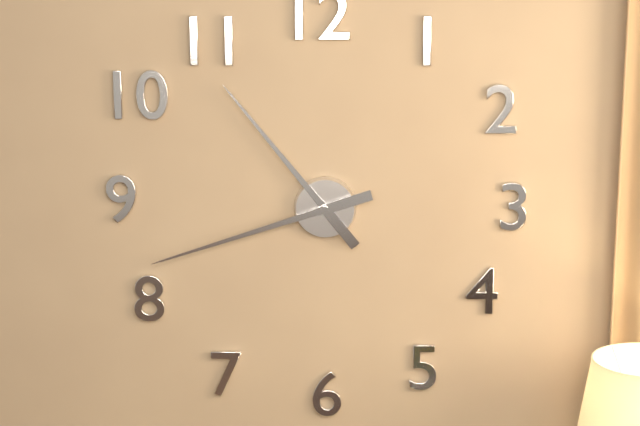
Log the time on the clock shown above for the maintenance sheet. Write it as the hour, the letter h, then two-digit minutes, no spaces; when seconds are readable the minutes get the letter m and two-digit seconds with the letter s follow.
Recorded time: 10h42
